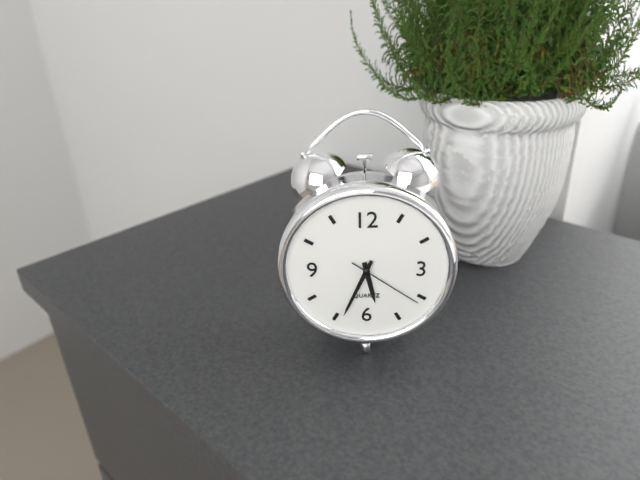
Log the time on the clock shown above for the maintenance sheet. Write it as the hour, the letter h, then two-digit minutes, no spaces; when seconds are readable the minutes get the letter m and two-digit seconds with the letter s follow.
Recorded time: 5h34m21s
